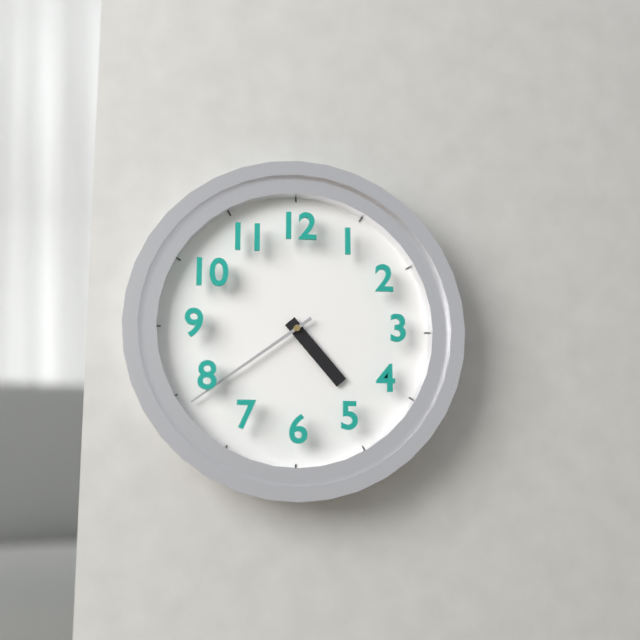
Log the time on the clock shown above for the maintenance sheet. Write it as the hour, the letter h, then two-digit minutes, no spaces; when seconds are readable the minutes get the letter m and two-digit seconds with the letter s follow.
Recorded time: 4h39
